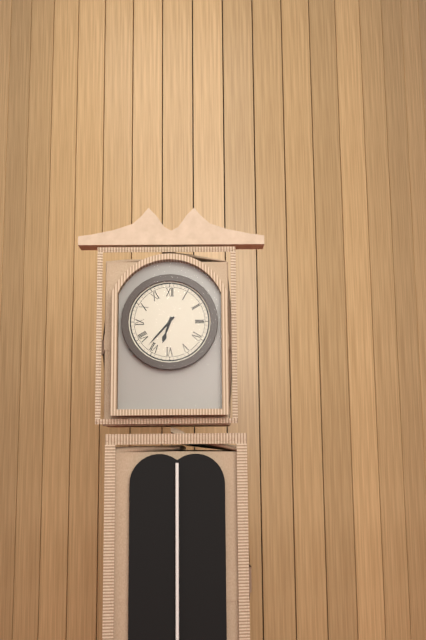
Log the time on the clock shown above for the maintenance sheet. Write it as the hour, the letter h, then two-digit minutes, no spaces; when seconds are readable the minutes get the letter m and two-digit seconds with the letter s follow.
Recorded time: 6h37
